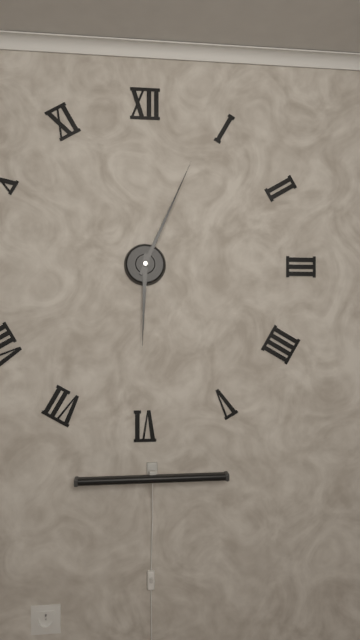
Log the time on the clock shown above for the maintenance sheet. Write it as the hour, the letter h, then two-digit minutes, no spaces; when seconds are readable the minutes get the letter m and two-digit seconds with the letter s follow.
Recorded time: 6h04
